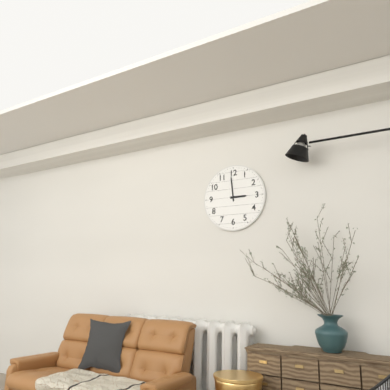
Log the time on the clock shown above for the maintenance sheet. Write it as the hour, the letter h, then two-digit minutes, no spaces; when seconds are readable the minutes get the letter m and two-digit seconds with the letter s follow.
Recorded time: 2h59
